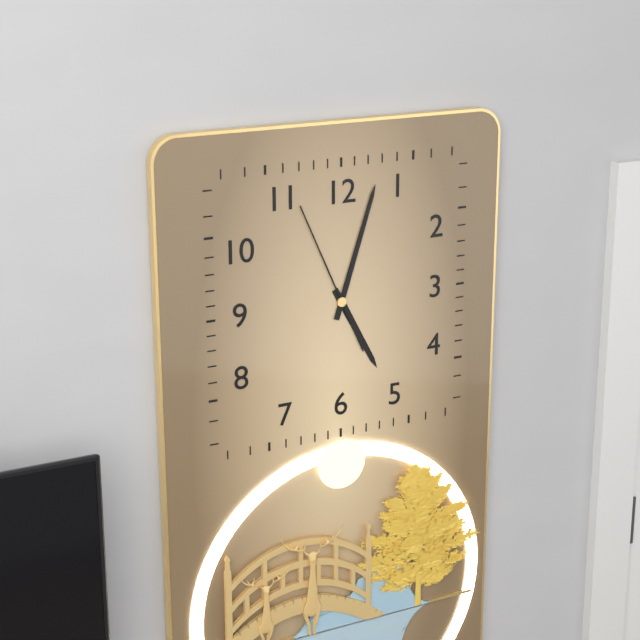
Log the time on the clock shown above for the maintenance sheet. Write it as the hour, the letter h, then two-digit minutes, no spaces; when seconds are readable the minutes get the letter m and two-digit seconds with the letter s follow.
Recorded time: 5h03m56s
